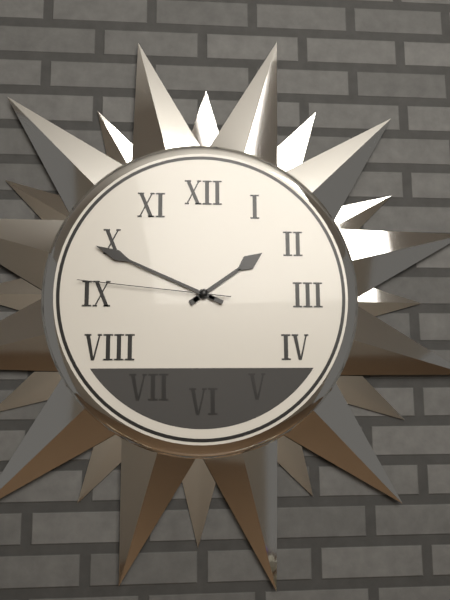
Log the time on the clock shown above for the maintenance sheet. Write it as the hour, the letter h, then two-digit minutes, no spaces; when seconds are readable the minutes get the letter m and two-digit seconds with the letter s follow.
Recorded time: 1h49m46s
